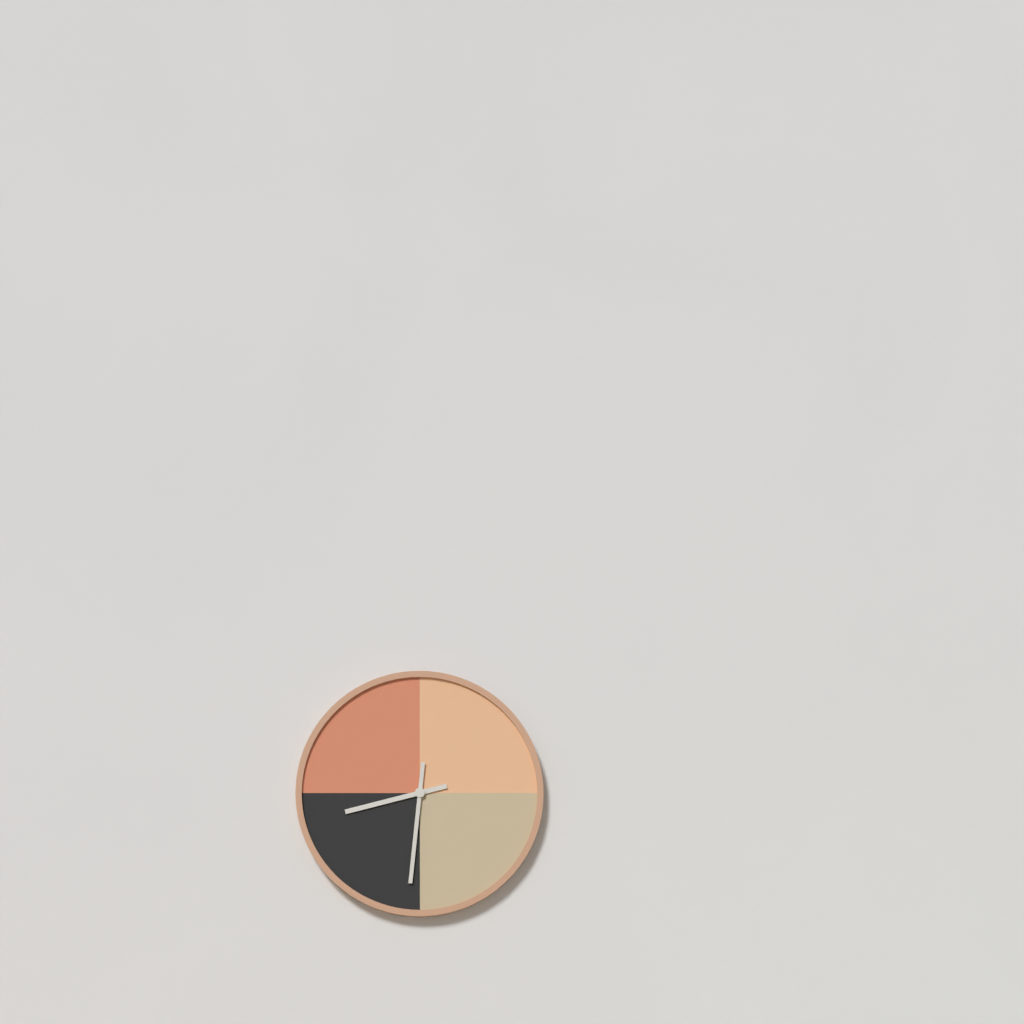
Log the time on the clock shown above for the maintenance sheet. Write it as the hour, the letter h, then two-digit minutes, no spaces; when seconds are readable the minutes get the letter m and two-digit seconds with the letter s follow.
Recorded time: 8h31
